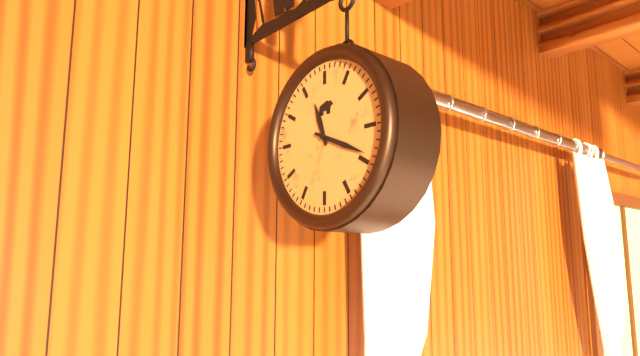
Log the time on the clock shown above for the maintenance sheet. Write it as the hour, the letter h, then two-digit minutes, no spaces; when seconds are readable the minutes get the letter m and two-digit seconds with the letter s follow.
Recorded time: 11h19
